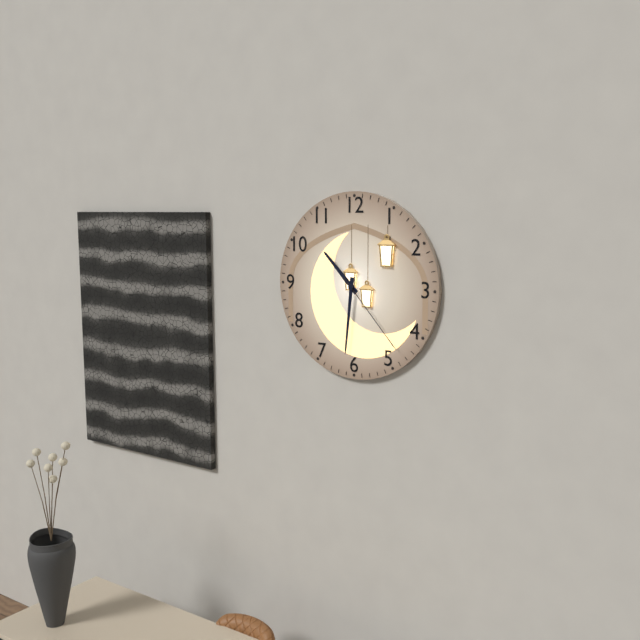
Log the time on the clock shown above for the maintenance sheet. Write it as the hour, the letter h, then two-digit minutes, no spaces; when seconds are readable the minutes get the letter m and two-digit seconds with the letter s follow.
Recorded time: 10h31m23s
